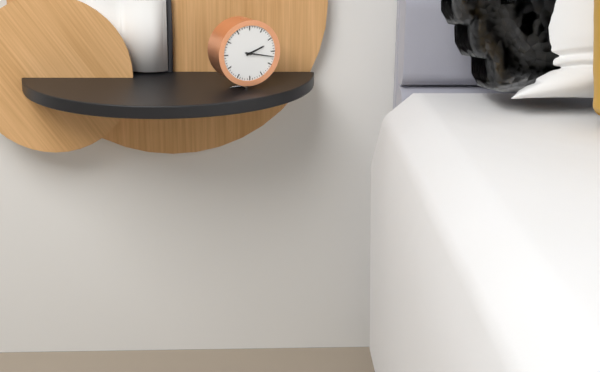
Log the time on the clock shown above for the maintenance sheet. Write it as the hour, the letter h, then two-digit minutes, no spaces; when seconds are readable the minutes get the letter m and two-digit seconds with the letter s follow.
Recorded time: 2h17
